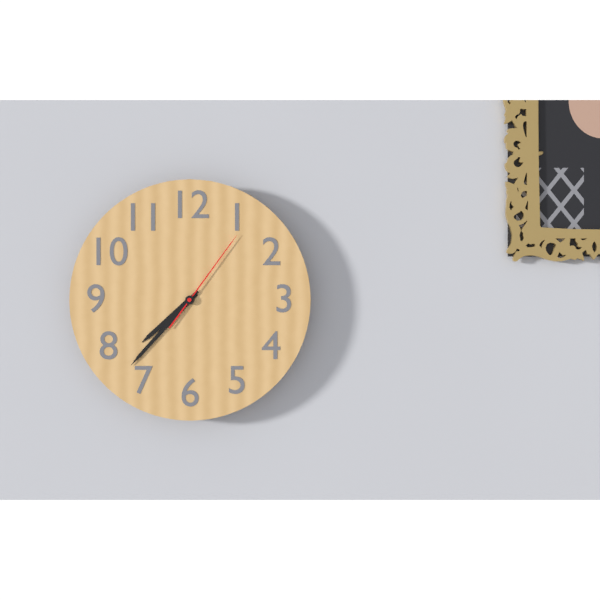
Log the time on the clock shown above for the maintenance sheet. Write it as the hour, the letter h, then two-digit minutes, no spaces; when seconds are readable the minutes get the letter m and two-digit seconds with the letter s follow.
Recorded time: 7h37m06s
